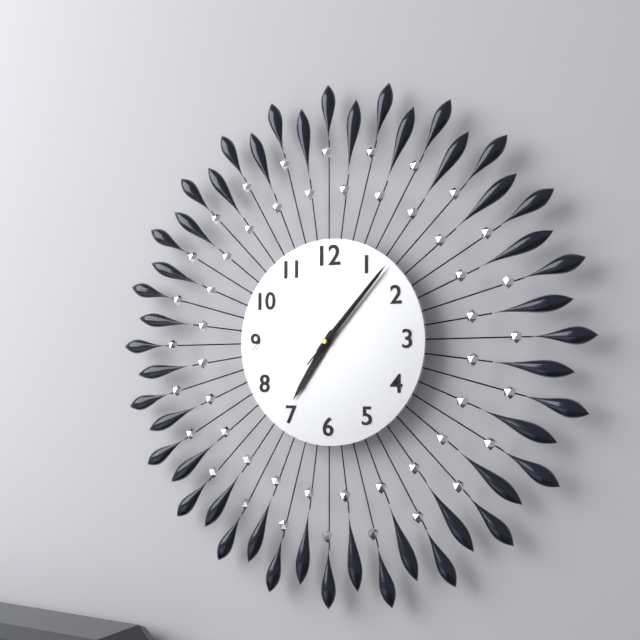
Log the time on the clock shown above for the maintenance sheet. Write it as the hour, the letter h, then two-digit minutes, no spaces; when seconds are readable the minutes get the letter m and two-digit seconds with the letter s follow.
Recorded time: 7h07m07s
